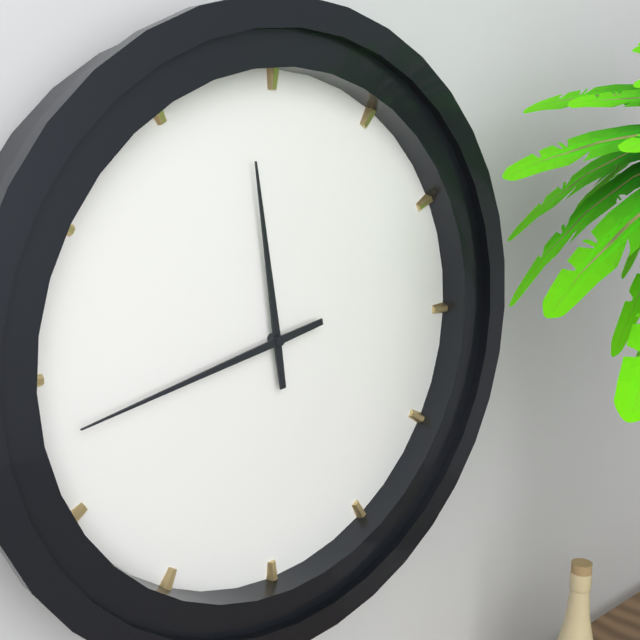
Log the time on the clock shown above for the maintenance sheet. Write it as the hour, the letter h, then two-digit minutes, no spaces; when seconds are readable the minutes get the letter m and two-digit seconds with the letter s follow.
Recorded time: 11h43
